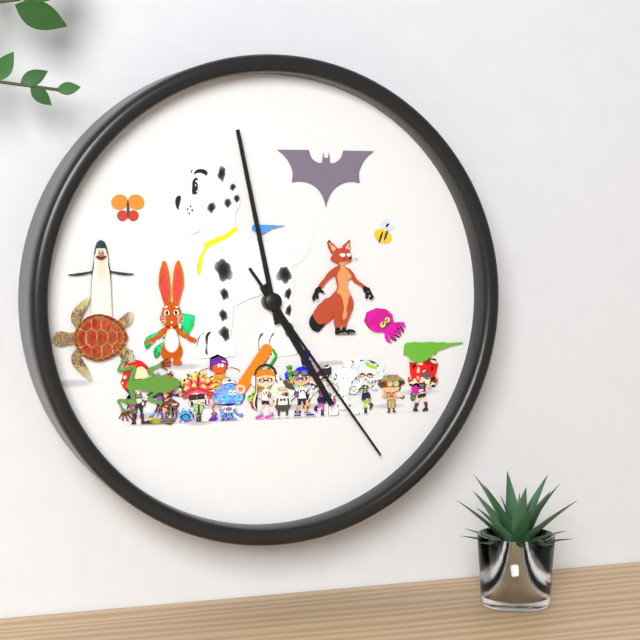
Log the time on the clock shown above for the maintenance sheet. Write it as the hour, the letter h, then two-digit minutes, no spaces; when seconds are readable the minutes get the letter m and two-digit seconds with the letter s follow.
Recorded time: 4h58m24s
